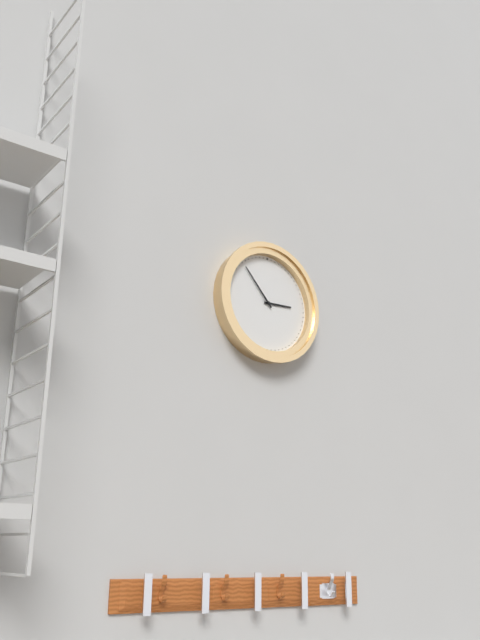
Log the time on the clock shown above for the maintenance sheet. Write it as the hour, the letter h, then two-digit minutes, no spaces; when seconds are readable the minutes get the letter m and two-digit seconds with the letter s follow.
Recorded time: 2h53
